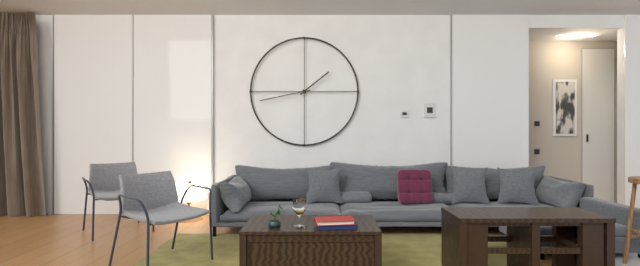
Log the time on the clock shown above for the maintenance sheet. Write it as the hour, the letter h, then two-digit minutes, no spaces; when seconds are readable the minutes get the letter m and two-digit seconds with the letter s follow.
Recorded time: 1h43
